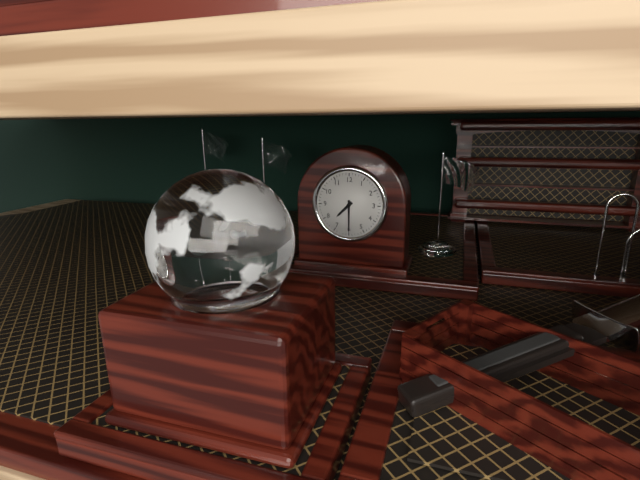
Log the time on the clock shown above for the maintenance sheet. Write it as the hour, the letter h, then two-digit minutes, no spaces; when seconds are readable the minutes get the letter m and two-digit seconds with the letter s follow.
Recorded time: 7h30
